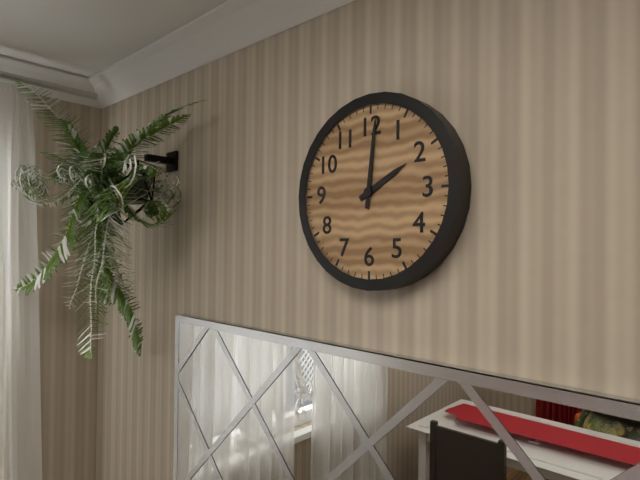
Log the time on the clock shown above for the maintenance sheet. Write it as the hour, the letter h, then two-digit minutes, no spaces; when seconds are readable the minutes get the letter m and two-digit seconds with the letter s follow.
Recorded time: 2h01
